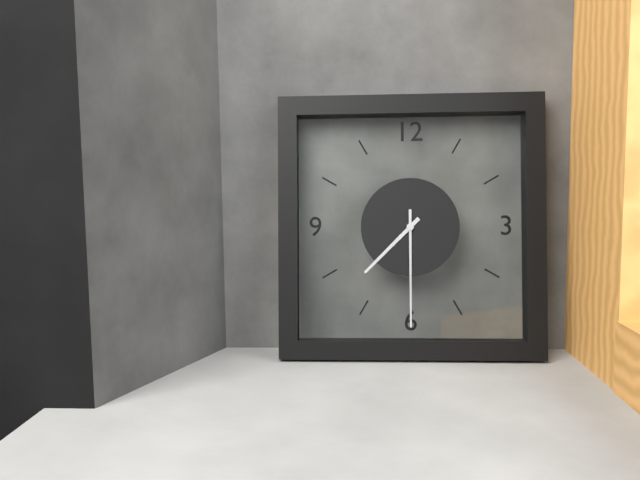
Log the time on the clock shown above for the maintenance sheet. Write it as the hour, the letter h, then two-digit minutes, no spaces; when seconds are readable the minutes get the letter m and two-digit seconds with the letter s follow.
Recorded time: 7h30
